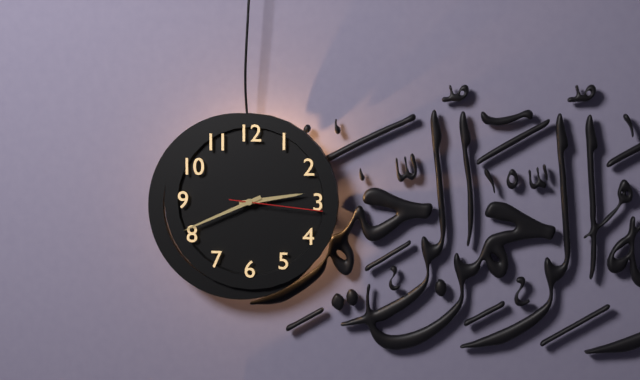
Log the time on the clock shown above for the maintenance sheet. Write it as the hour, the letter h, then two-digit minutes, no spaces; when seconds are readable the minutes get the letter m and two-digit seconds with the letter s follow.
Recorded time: 2h41m16s
